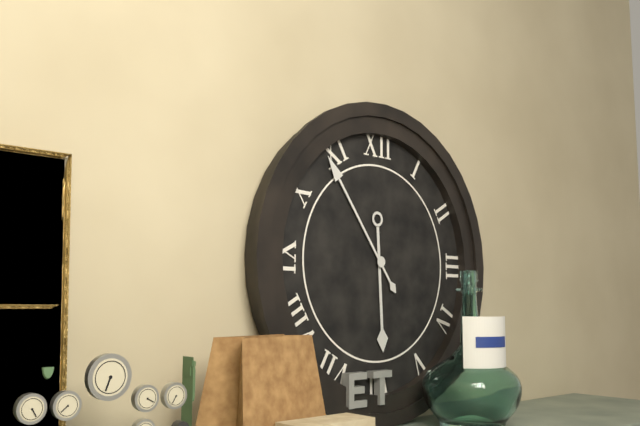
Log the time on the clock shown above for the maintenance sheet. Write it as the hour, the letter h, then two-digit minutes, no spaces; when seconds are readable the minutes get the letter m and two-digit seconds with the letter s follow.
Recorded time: 5h54
